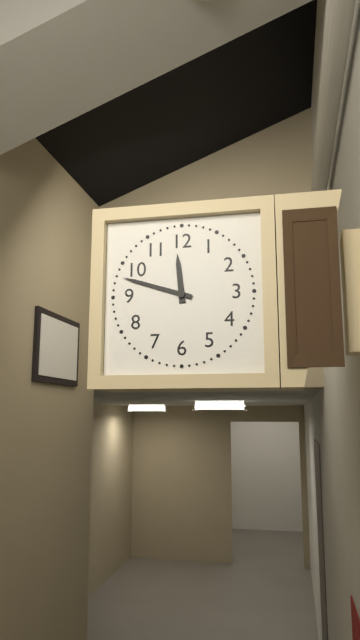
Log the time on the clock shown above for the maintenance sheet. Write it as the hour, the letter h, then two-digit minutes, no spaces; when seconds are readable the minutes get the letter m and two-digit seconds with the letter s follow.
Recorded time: 11h48
